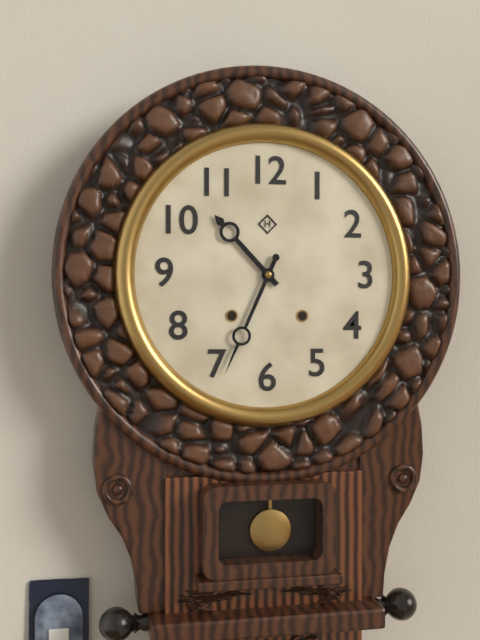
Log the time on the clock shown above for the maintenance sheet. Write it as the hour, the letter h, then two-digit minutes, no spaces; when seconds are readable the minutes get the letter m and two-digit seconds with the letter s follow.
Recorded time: 10h34
